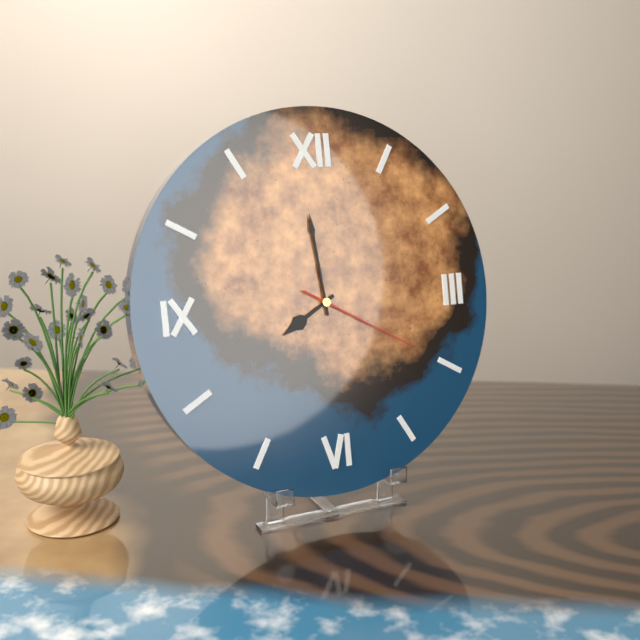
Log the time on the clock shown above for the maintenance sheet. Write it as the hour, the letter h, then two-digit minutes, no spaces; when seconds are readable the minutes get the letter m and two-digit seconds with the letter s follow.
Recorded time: 7h59m20s
